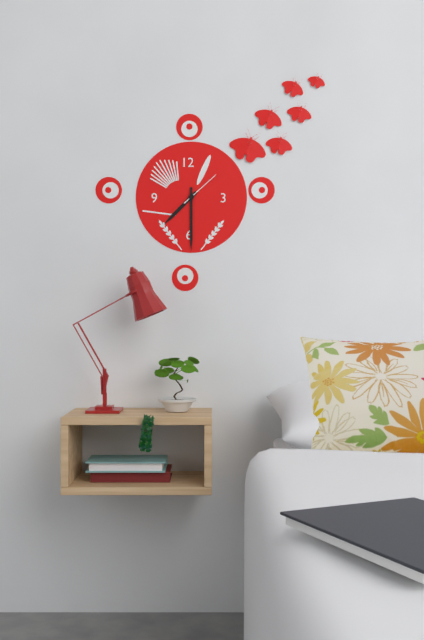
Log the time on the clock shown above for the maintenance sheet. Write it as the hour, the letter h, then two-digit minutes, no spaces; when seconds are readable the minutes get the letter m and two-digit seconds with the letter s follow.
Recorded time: 7h30
